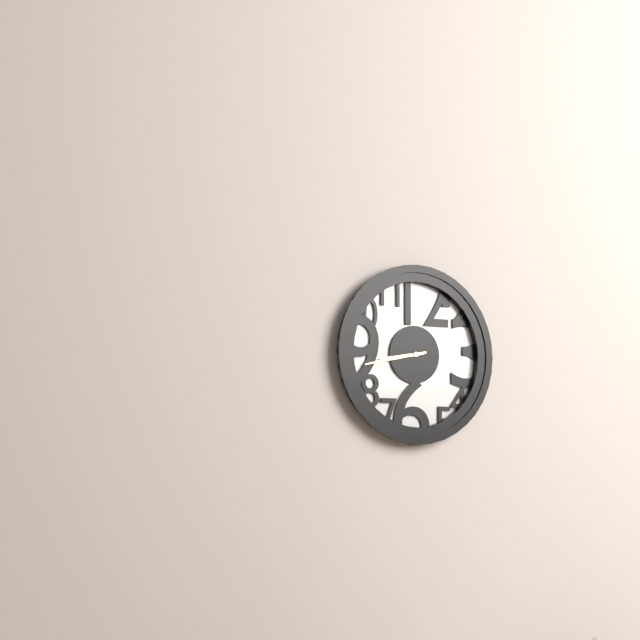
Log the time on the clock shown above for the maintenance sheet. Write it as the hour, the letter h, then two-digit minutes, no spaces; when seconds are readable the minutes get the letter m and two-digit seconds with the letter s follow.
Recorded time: 8h43
